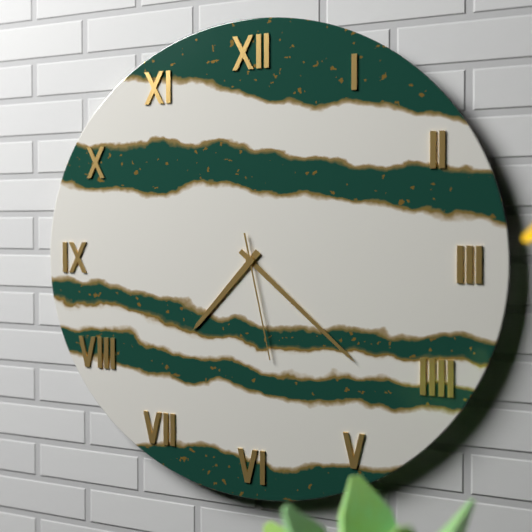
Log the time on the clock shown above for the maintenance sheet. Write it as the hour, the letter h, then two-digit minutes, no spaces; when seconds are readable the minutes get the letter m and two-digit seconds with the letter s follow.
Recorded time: 7h22m28s
